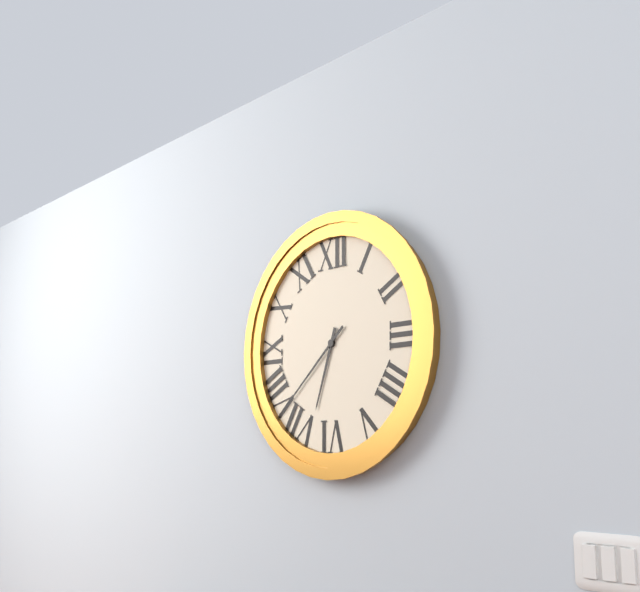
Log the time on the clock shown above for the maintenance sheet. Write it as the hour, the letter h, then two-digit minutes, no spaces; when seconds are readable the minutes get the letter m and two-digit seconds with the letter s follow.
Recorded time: 6h38
